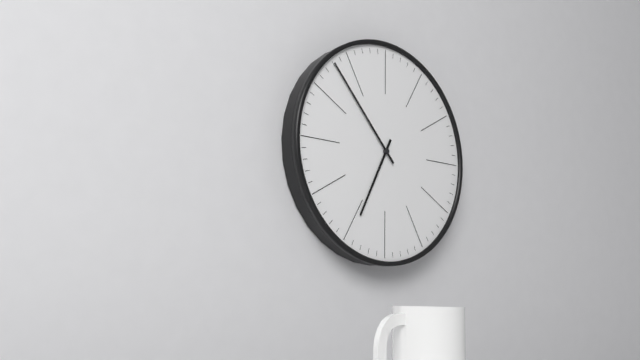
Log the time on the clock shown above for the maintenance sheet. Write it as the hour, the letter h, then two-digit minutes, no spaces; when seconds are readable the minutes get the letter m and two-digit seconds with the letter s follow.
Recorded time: 6h53
